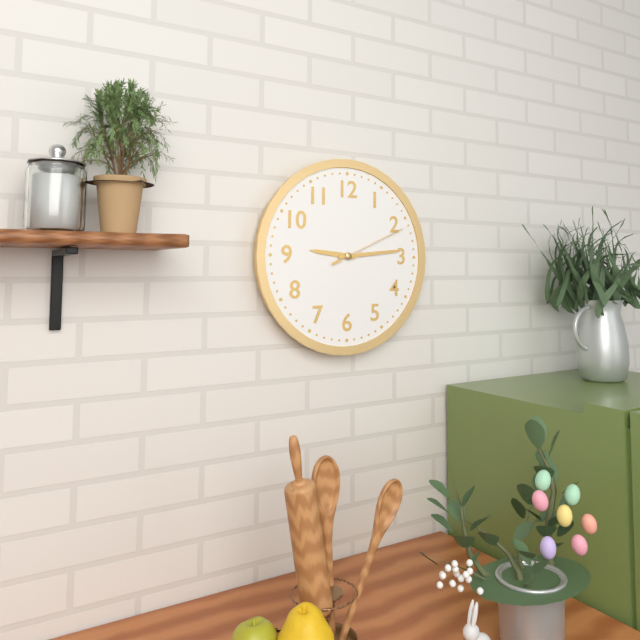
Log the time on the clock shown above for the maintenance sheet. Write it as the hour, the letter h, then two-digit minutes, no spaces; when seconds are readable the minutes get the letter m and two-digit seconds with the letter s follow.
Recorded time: 9h14m11s
